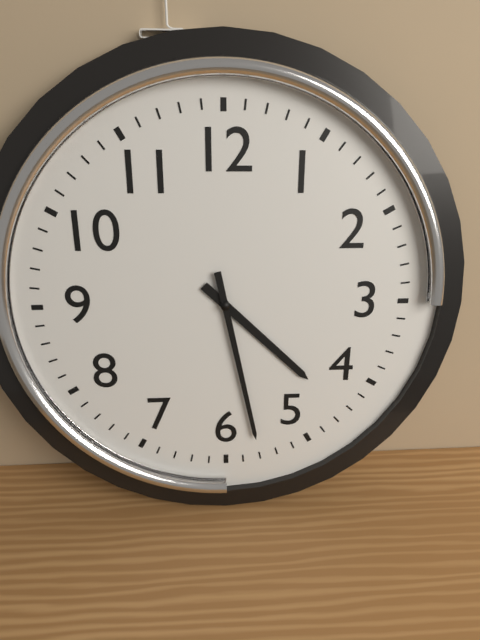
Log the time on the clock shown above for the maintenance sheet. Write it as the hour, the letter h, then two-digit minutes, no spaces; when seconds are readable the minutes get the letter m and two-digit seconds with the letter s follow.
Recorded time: 4h28
